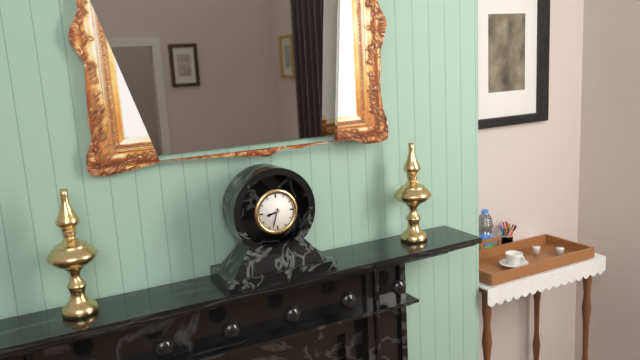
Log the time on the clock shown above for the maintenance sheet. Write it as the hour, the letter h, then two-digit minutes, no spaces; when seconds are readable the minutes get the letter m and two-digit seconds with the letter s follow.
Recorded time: 8h33
